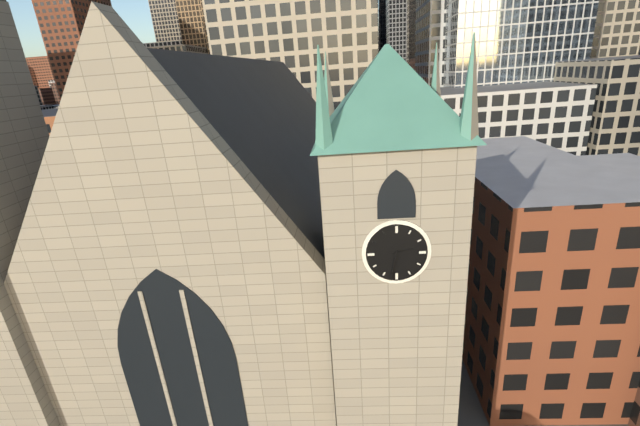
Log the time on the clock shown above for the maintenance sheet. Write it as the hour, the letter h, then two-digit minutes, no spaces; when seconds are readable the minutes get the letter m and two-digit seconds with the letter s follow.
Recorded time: 2h32
